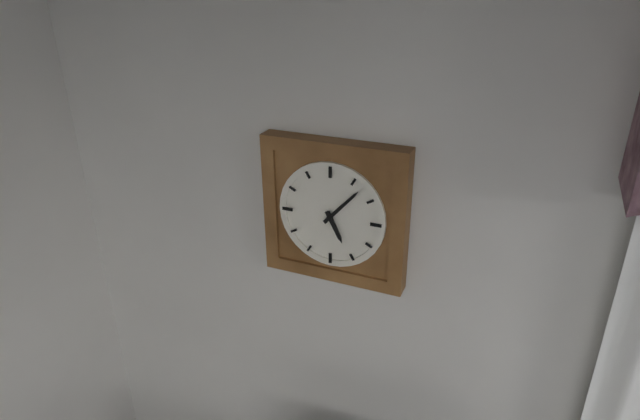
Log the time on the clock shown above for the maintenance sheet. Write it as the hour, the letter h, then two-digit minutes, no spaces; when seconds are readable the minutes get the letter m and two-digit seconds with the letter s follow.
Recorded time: 5h07
